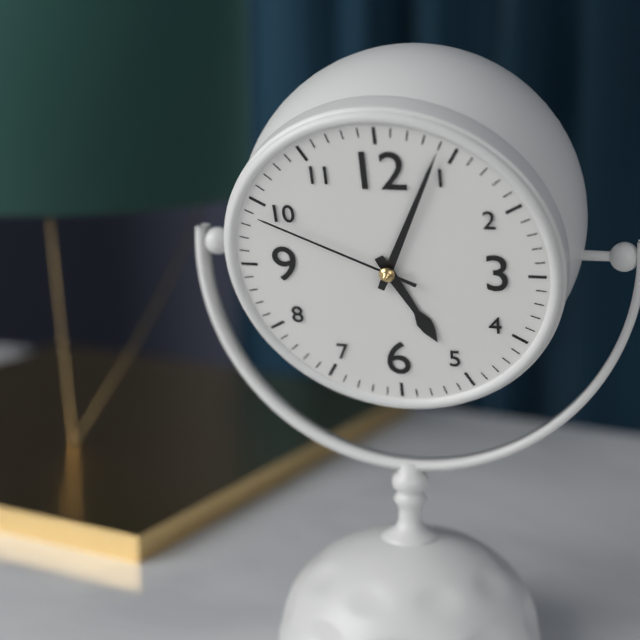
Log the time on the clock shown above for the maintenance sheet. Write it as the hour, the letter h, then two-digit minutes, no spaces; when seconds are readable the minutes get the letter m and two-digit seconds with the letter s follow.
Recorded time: 5h04m49s
